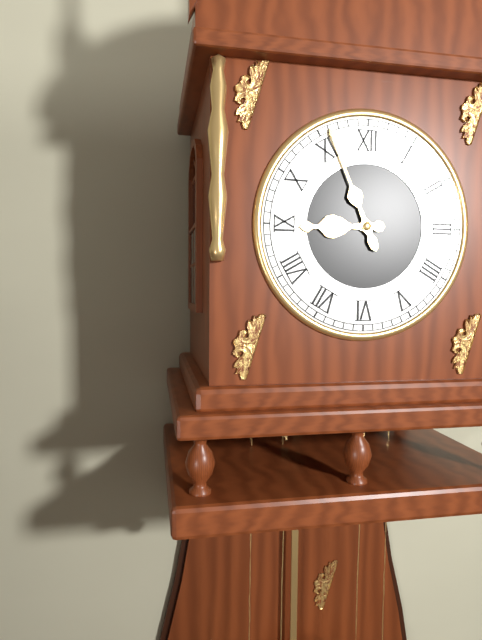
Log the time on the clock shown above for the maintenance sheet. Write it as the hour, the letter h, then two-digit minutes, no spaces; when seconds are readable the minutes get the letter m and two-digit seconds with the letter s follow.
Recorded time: 8h56
